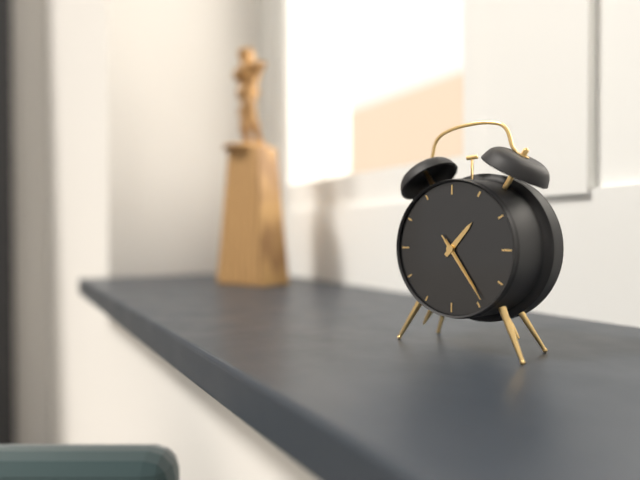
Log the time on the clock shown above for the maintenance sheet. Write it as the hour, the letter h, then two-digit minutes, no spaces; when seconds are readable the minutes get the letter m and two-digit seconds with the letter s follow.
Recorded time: 1h24m24s
